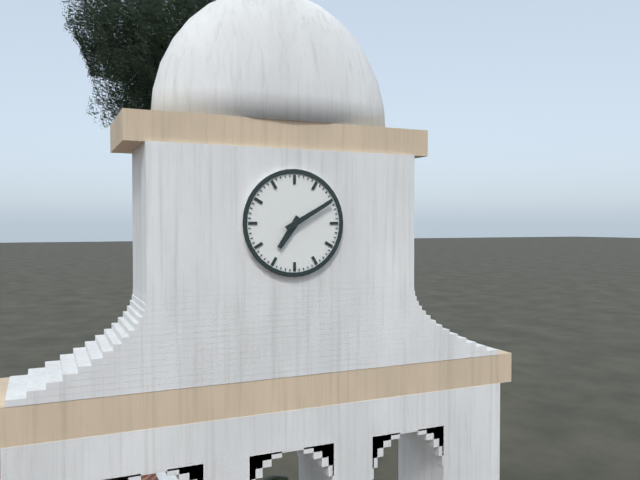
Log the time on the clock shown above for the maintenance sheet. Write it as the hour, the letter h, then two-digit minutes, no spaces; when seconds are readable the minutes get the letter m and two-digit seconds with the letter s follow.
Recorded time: 7h10
